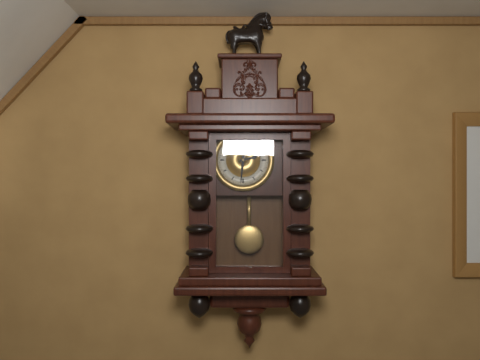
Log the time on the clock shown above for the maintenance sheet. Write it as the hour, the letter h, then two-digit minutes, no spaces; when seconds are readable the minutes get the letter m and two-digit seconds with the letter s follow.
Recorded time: 2h31
